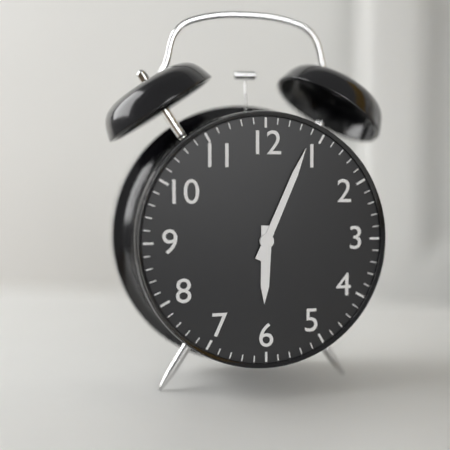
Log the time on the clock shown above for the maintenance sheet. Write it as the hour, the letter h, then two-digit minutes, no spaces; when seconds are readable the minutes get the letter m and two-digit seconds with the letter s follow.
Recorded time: 6h04
